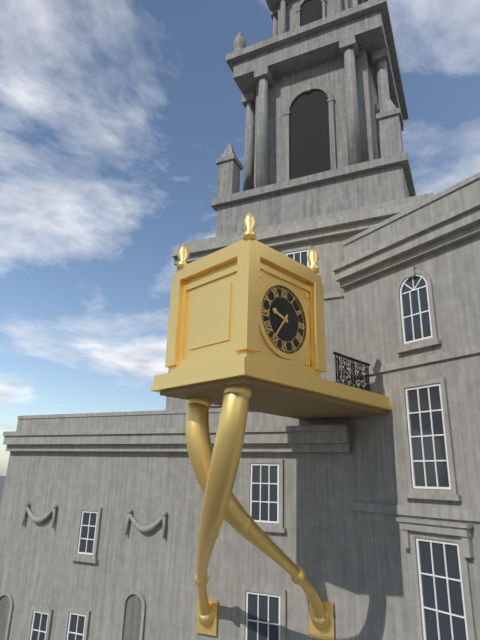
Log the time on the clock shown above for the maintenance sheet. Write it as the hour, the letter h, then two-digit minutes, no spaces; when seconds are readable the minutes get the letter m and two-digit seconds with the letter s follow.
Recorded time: 9h36
